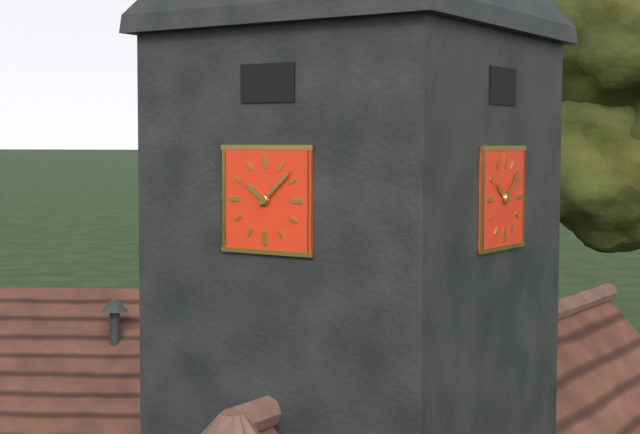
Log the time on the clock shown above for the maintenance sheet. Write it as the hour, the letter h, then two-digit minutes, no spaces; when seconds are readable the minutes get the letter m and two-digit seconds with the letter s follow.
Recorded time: 10h08
